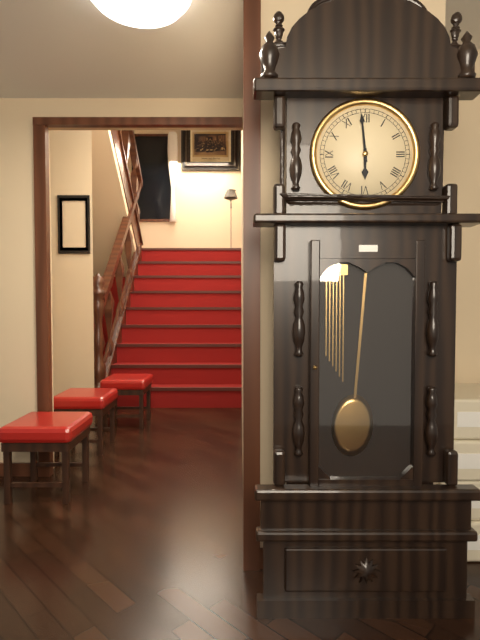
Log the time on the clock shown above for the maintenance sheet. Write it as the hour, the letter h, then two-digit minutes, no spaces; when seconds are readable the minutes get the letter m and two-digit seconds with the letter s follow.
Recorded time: 5h59
